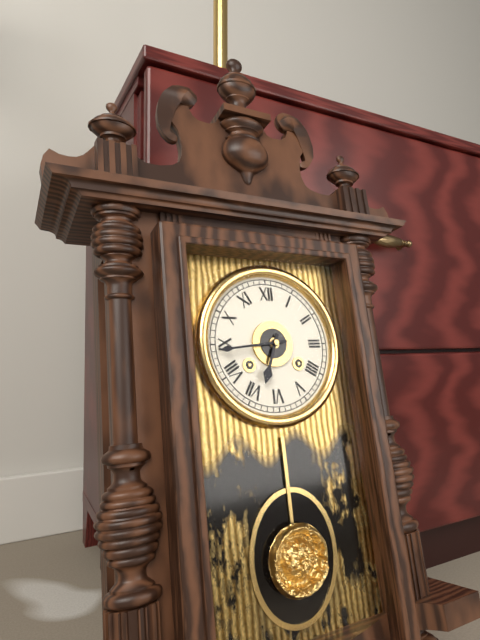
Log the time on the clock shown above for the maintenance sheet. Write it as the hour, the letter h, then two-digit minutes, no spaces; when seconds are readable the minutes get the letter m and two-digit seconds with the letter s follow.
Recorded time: 6h44
